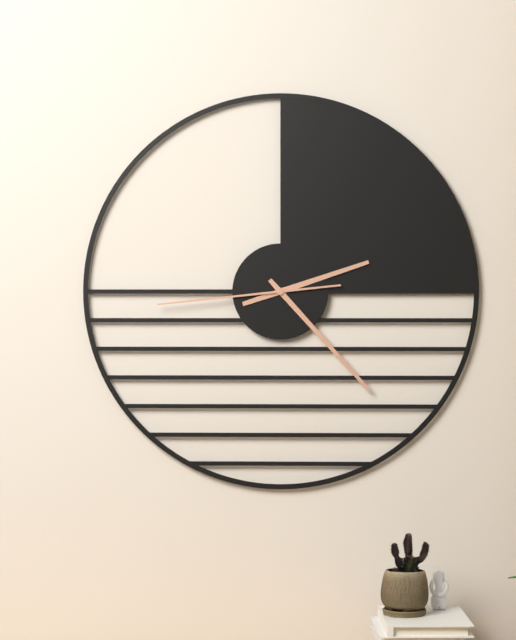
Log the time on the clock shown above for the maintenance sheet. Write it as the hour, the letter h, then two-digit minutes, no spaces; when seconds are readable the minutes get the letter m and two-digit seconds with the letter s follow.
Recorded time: 2h23m44s
